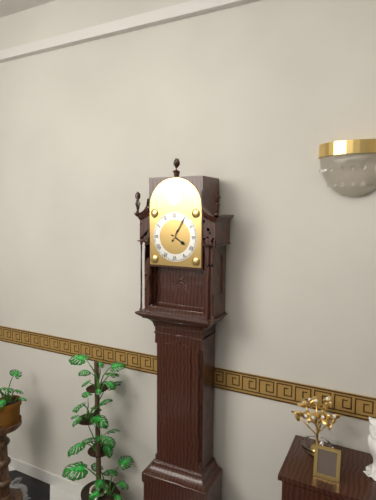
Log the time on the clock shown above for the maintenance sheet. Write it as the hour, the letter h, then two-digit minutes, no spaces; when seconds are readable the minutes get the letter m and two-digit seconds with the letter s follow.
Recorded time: 4h05
